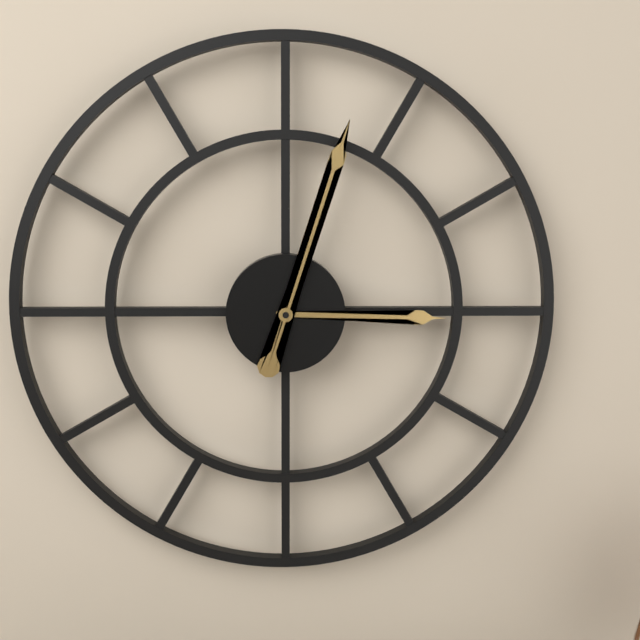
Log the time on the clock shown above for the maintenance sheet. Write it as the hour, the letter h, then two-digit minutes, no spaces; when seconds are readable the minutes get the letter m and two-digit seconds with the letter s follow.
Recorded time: 3h03
